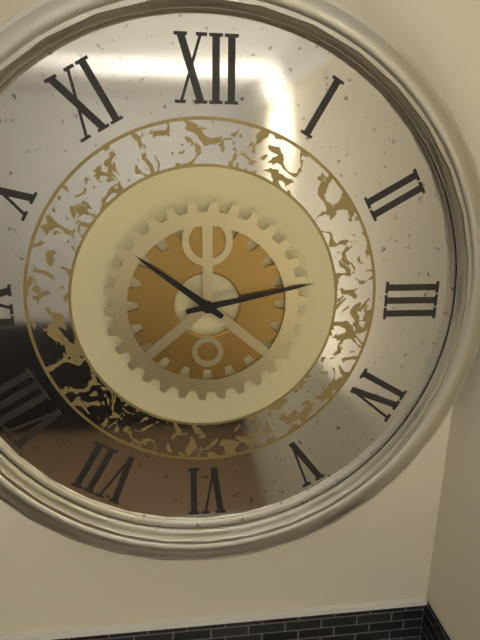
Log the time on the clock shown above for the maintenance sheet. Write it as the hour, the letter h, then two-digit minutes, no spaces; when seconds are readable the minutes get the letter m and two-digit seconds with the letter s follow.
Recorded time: 10h13
